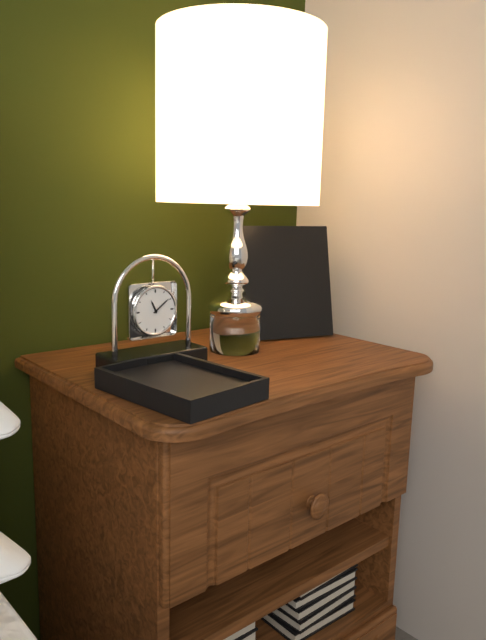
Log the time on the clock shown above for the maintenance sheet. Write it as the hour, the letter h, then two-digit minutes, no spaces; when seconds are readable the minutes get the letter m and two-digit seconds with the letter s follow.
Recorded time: 11h09
